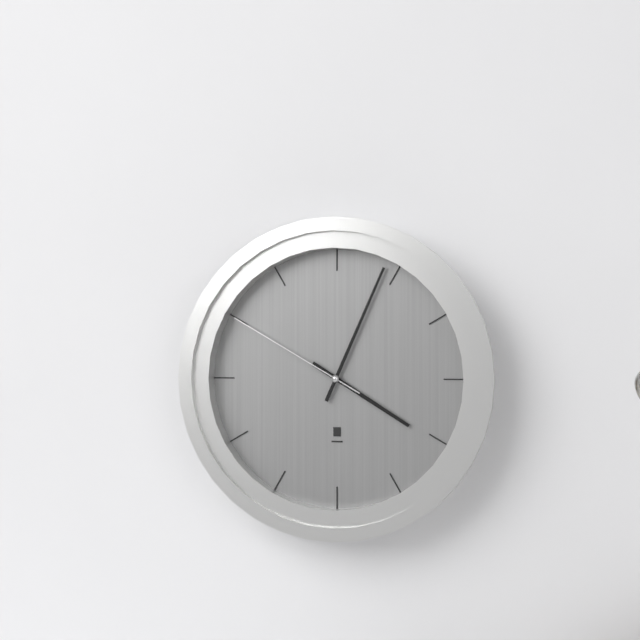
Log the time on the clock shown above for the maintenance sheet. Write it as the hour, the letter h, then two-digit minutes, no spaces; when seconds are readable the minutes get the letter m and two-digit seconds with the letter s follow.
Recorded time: 4h04m50s
